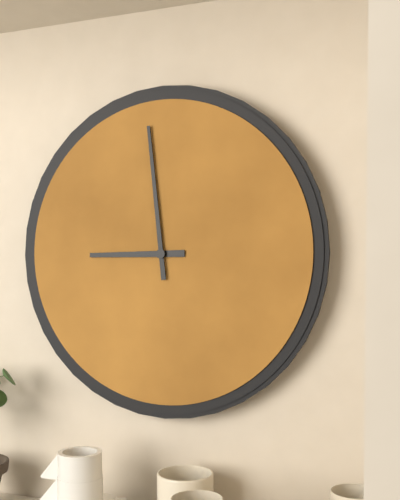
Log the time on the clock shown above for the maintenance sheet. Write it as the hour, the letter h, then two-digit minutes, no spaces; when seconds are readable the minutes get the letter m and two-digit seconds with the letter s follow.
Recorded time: 8h59
